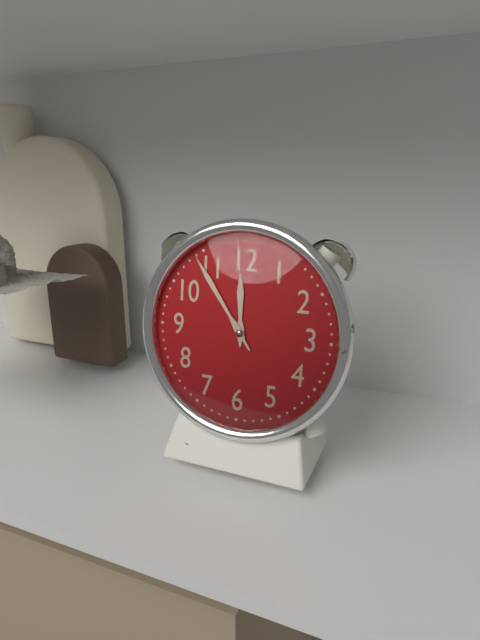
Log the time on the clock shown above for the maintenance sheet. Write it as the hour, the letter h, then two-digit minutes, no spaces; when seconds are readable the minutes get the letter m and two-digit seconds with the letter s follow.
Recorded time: 11h54
